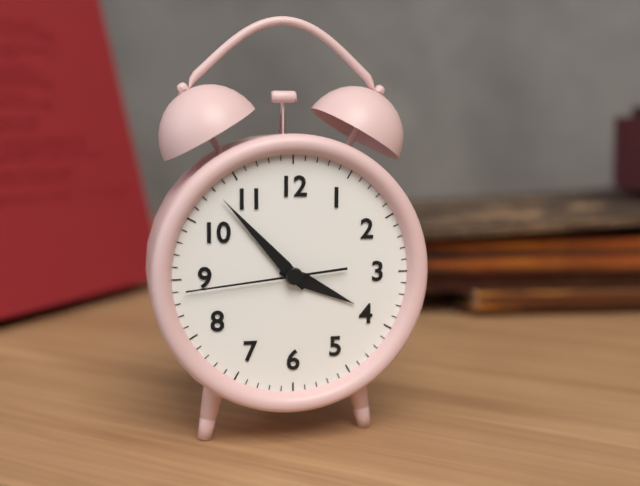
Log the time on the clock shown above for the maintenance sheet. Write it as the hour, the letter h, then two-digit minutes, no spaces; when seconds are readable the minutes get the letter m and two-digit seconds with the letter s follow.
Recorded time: 3h53m44s
